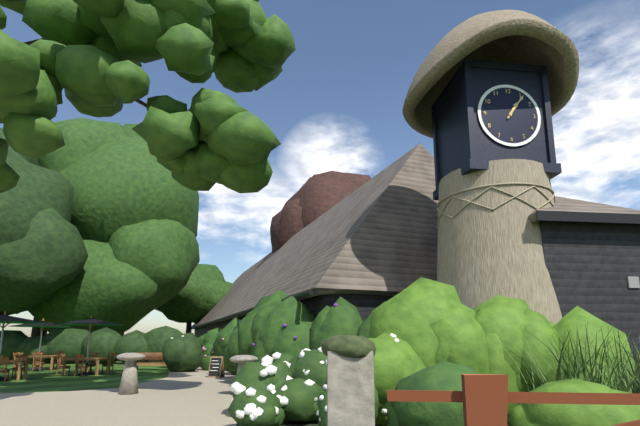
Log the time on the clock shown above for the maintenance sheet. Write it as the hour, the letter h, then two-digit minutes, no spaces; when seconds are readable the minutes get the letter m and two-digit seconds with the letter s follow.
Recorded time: 1h06
